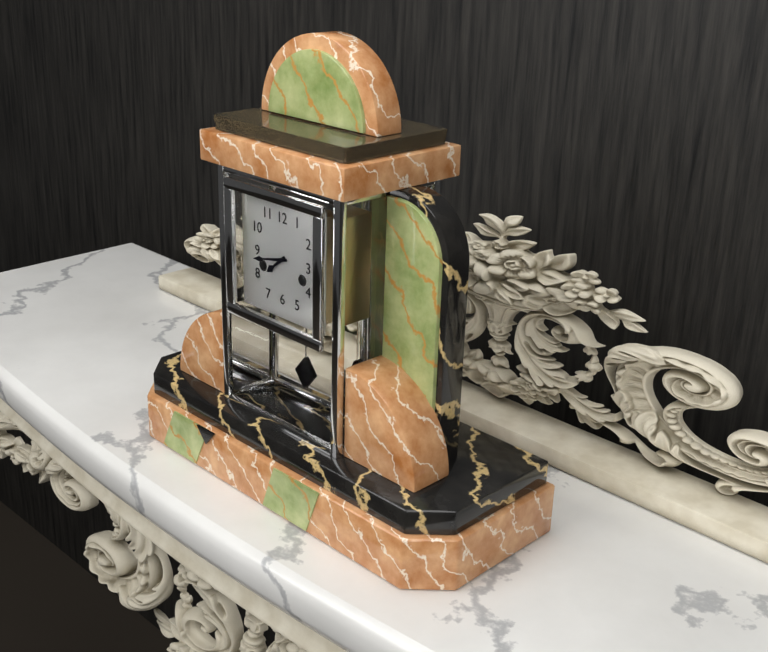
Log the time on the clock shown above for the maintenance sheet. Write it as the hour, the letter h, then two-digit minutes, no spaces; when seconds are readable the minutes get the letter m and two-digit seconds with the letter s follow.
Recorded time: 7h43
